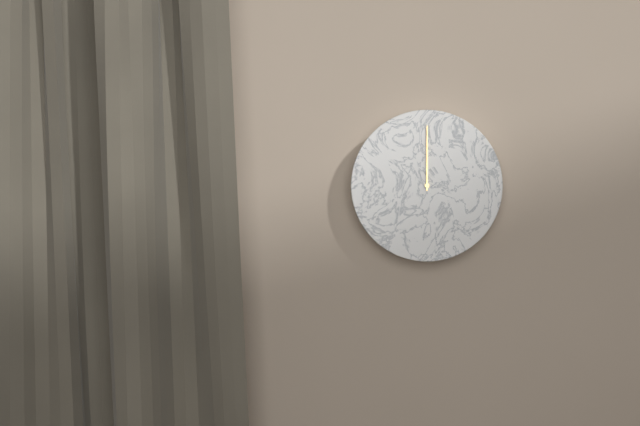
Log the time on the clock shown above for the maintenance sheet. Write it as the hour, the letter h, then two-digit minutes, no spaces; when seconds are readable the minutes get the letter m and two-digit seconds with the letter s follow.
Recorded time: 12h00
